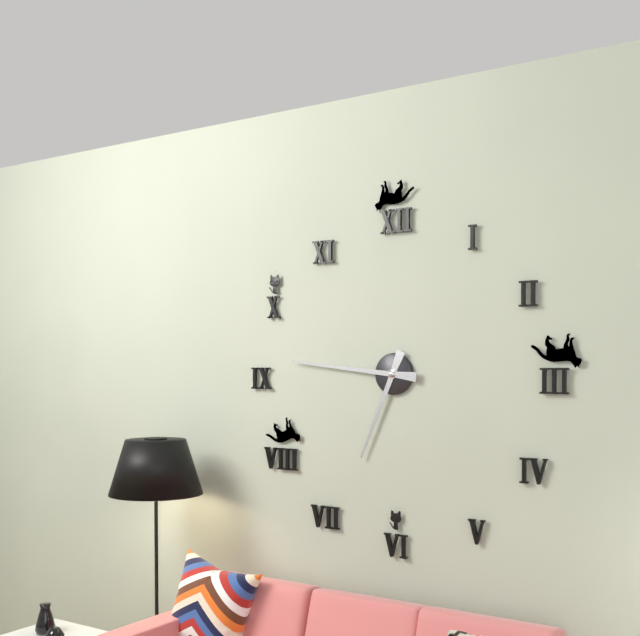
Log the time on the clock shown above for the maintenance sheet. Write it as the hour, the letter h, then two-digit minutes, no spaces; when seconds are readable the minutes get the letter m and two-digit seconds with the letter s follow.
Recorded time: 6h46
